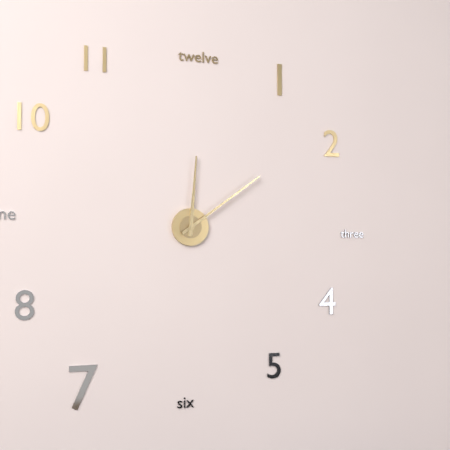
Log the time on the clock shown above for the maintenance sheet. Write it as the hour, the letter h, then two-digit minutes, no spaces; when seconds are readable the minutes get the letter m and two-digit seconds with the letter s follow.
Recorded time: 12h09
